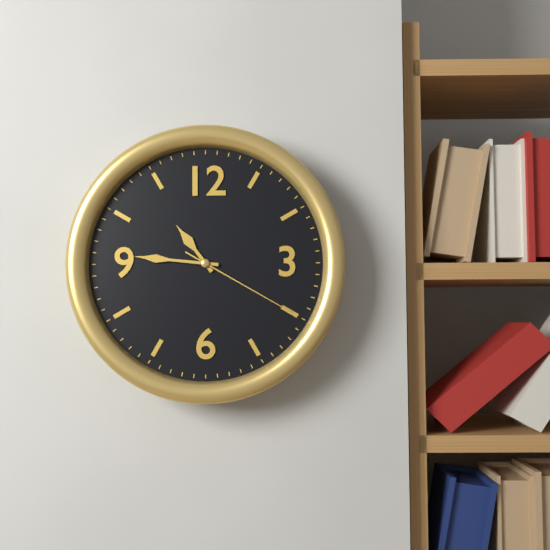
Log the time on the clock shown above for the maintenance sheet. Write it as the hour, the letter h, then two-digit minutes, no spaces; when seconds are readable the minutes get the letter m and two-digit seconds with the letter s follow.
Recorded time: 10h46m20s
